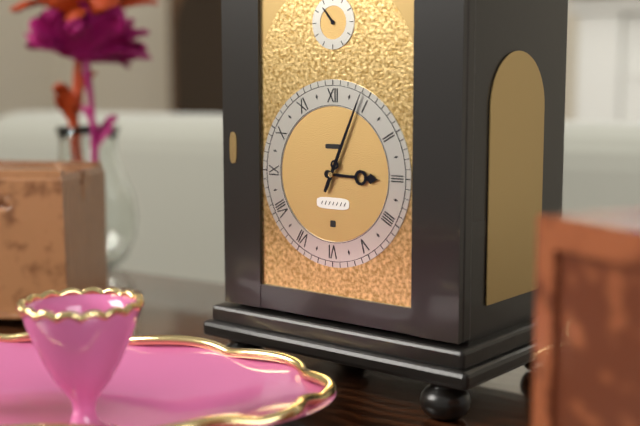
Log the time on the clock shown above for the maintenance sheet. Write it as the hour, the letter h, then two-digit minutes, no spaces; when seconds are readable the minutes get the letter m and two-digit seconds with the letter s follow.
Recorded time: 3h04
